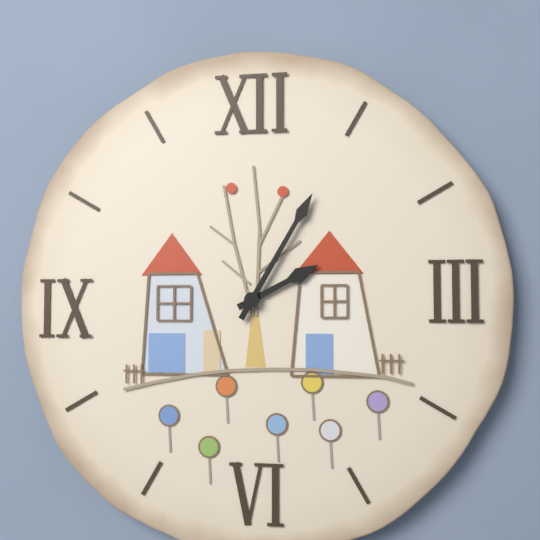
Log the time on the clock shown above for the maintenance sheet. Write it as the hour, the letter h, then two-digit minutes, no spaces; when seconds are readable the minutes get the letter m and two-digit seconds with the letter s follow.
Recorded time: 2h05
